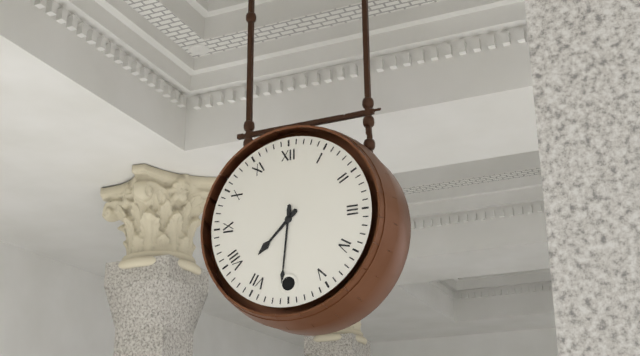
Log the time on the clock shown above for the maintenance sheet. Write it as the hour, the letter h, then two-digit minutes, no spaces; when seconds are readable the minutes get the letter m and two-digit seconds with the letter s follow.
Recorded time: 7h31
